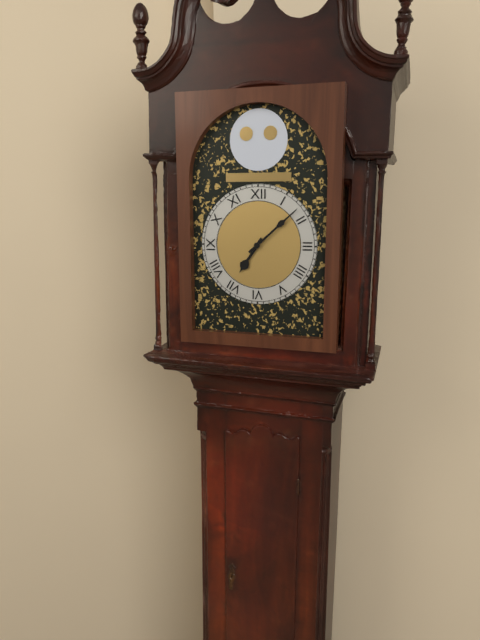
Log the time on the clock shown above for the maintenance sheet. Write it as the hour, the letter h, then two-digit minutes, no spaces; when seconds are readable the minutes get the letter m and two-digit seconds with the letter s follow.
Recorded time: 7h08
